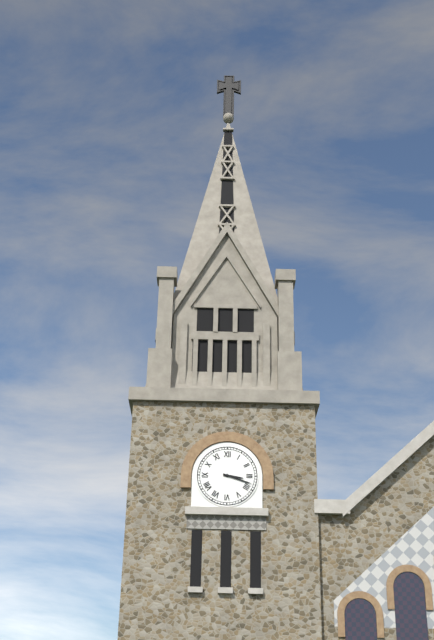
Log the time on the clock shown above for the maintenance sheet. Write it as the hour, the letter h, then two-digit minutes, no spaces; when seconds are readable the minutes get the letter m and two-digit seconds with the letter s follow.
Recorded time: 3h18
